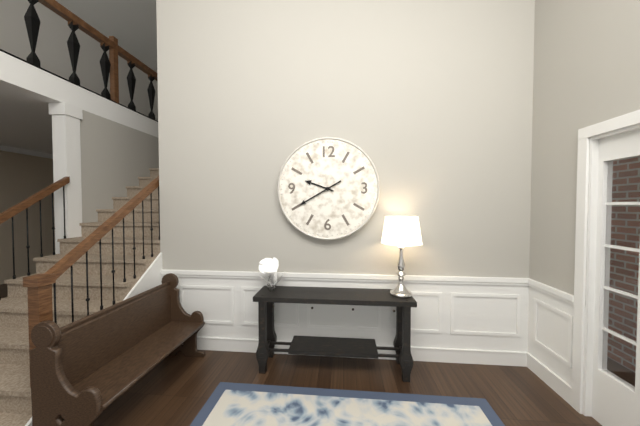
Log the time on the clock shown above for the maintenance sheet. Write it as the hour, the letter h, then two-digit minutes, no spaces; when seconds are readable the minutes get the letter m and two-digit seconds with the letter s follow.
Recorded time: 9h40
